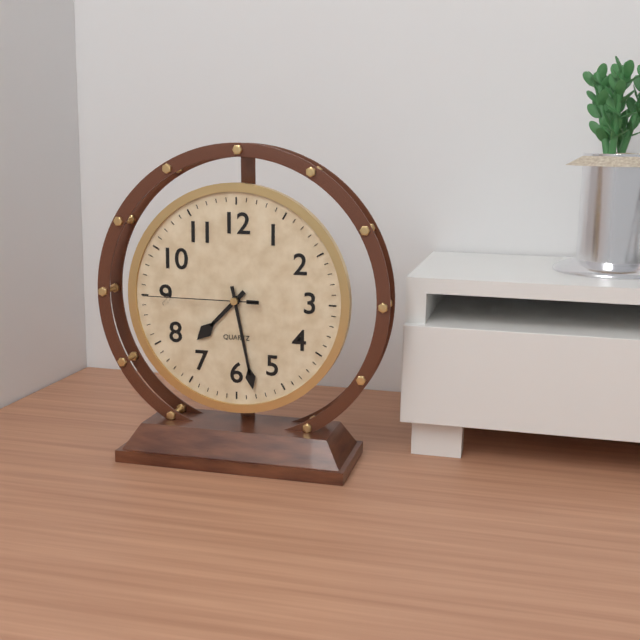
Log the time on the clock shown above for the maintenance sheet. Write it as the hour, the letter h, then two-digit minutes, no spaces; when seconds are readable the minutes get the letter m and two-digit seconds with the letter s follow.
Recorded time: 7h28m45s
